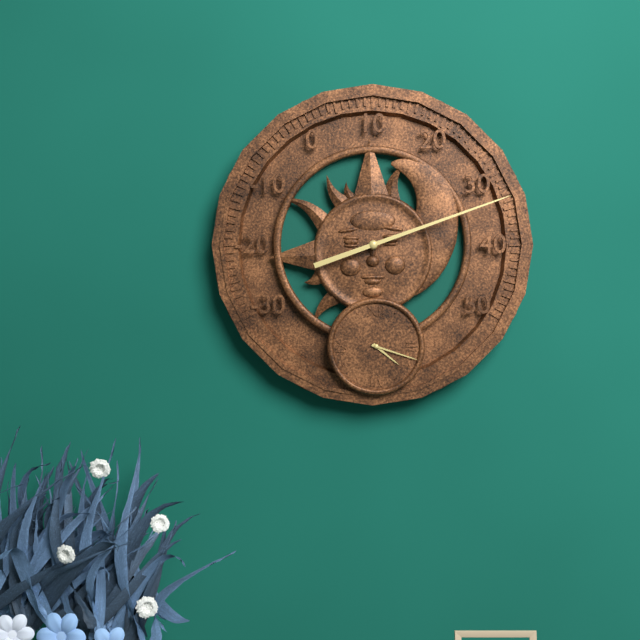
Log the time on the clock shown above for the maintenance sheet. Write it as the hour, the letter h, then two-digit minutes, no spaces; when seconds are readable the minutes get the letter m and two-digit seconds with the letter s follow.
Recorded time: 4h18
